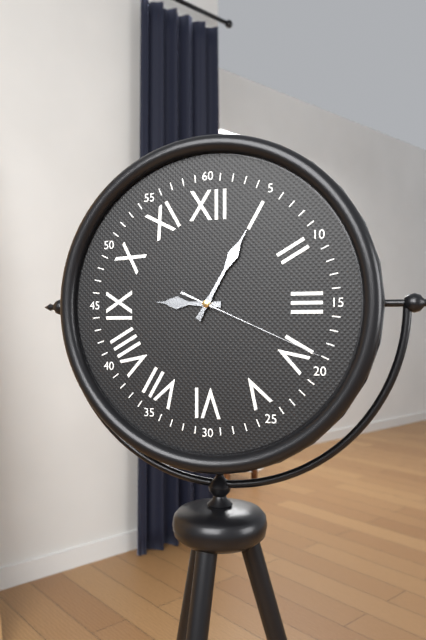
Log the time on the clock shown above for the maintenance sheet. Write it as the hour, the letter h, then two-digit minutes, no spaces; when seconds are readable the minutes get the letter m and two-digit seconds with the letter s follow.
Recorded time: 9h05m19s
